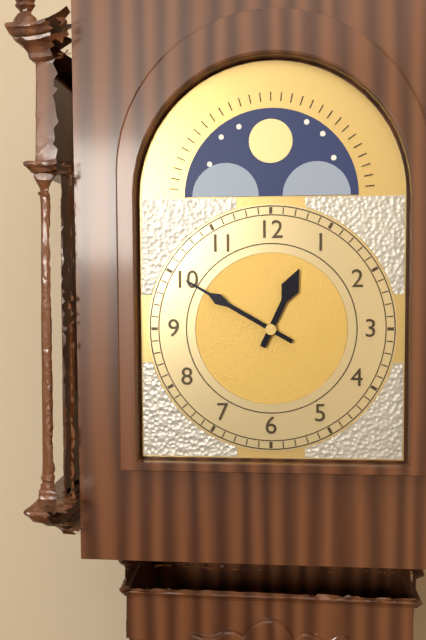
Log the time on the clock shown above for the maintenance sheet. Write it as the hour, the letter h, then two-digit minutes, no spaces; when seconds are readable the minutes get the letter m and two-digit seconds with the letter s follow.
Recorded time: 12h50
